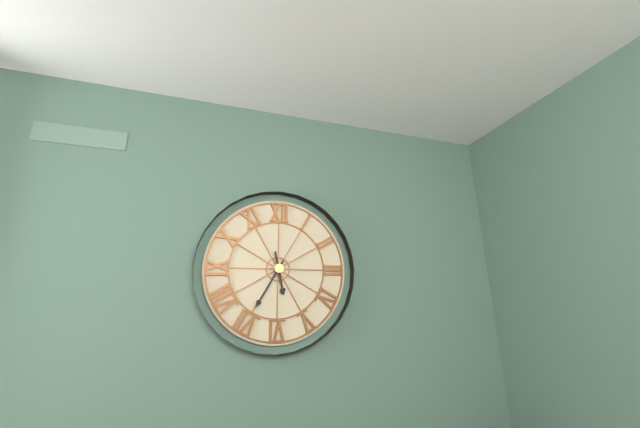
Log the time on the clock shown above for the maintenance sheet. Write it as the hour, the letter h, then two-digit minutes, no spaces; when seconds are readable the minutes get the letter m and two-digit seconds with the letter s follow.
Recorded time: 5h35
